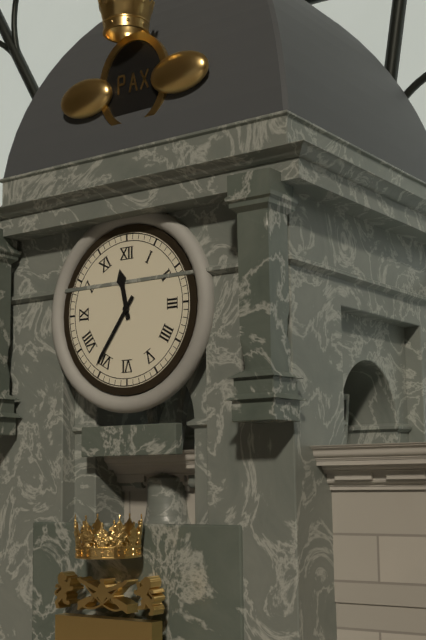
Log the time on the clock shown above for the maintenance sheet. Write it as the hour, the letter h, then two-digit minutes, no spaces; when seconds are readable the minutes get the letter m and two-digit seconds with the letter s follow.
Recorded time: 11h36
